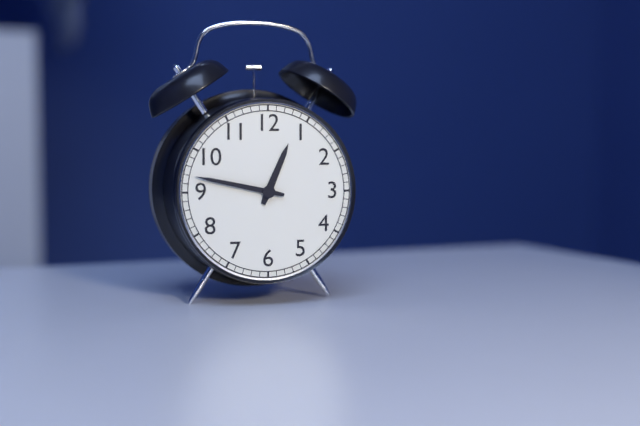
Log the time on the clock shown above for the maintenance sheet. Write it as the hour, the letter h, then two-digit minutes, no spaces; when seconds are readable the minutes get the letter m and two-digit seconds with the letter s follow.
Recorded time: 12h47
